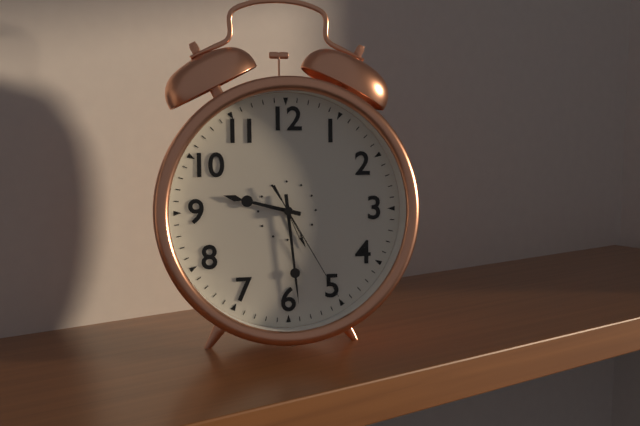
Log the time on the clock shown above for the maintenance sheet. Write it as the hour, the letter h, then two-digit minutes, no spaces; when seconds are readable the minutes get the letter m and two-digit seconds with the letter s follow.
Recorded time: 9h29m25s
